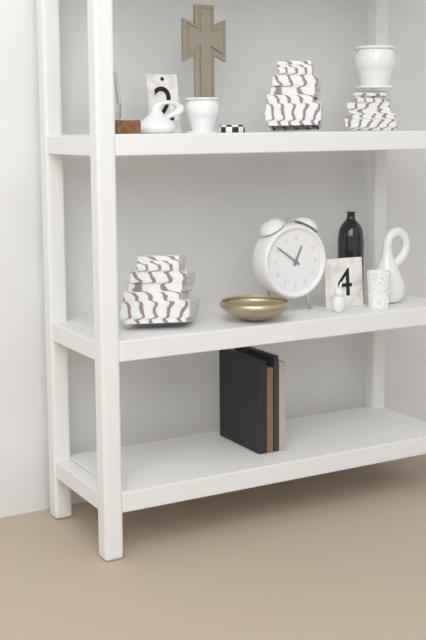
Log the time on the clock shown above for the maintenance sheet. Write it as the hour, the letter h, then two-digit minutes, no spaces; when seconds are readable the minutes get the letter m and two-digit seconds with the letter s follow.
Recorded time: 12h51
